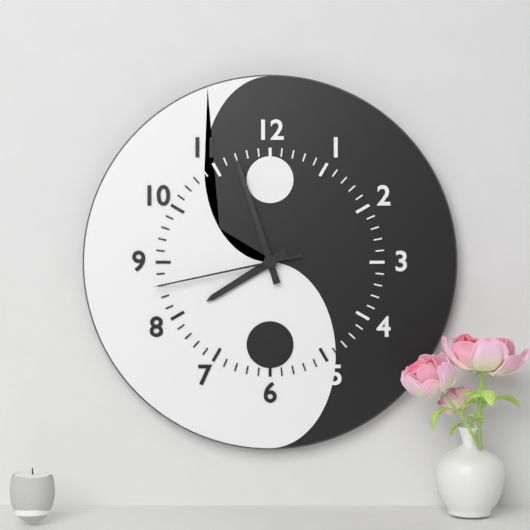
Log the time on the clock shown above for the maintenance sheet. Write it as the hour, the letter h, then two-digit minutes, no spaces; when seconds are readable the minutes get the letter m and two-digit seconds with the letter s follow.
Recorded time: 7h57m43s
